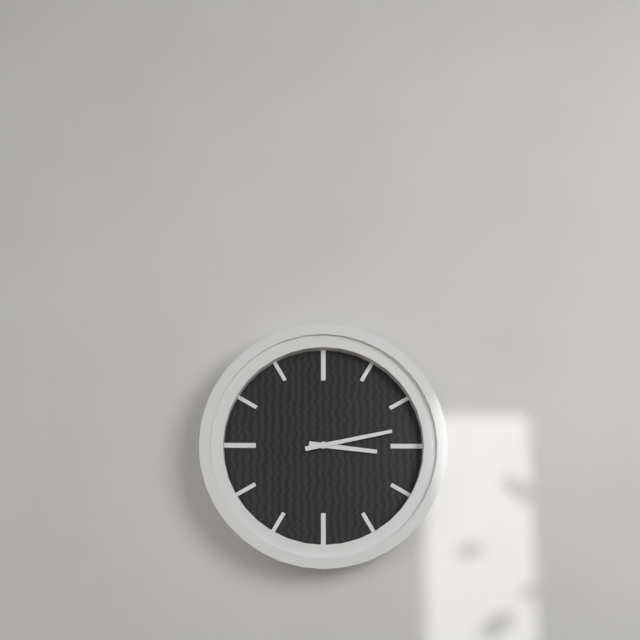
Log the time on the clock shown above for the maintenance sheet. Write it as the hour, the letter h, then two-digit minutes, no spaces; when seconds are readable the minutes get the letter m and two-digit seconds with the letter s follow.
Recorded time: 3h13
